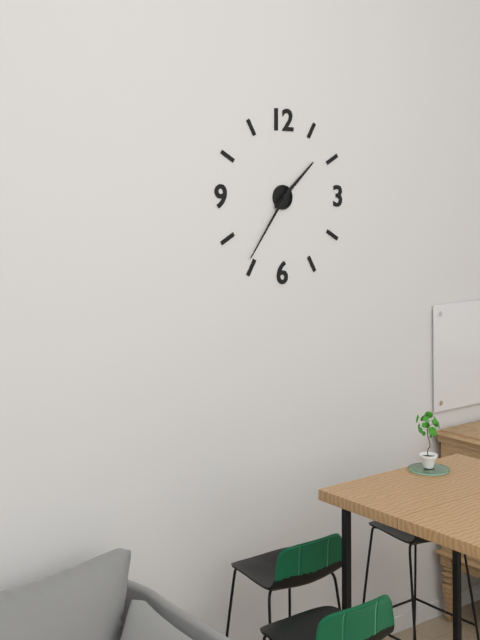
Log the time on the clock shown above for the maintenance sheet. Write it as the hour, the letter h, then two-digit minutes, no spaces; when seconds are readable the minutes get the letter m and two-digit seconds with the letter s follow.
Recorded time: 1h36
